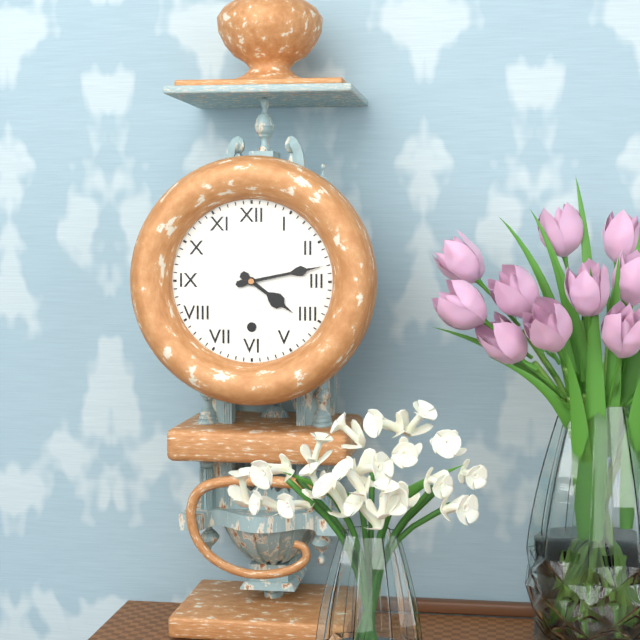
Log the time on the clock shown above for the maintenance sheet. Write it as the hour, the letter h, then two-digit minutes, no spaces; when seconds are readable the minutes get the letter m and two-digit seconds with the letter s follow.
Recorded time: 4h13
